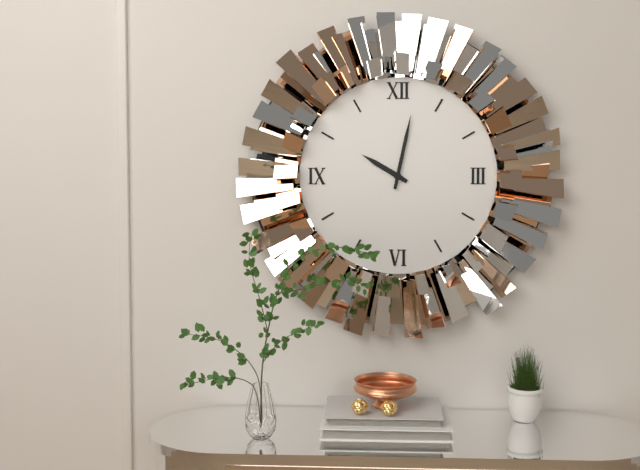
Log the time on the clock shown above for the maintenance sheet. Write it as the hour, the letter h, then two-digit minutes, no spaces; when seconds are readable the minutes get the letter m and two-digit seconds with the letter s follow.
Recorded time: 10h02
